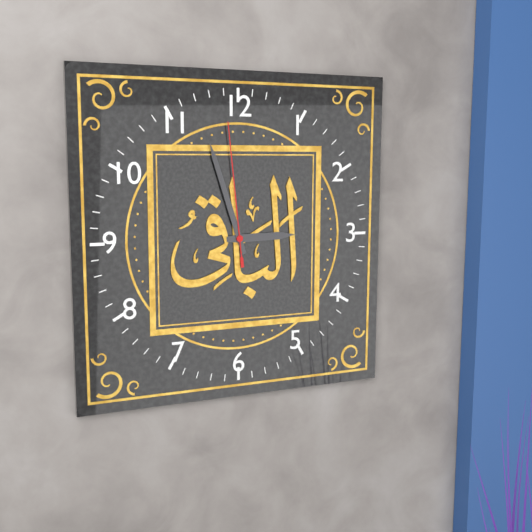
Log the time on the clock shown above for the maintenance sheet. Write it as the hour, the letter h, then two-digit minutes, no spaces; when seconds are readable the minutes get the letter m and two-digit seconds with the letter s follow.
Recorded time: 2h57m59s
